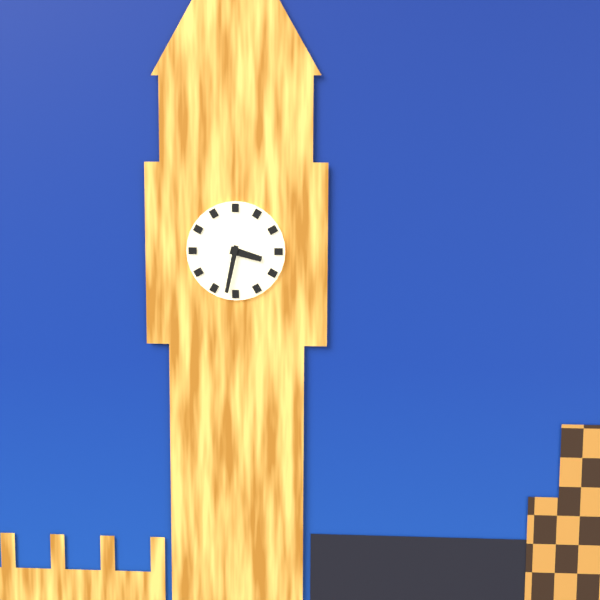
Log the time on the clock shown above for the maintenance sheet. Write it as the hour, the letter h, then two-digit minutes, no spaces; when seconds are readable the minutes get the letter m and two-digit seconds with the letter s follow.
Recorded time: 3h32
